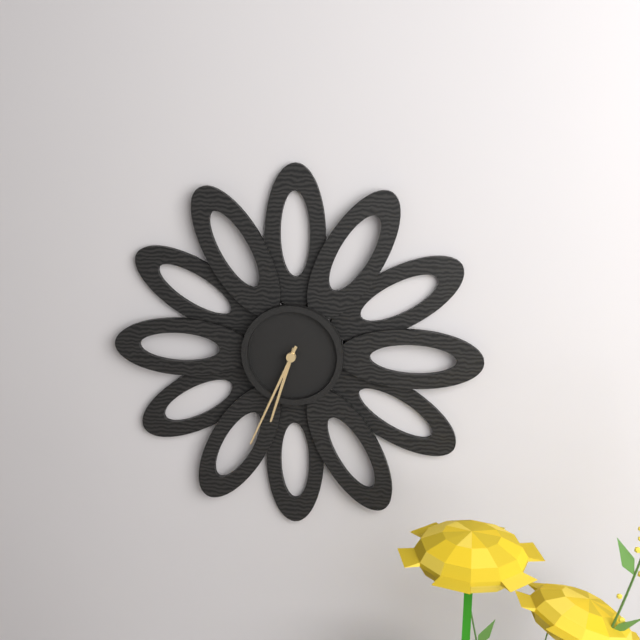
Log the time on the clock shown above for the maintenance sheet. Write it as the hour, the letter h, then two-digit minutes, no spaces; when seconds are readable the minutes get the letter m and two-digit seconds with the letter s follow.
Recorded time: 6h34
